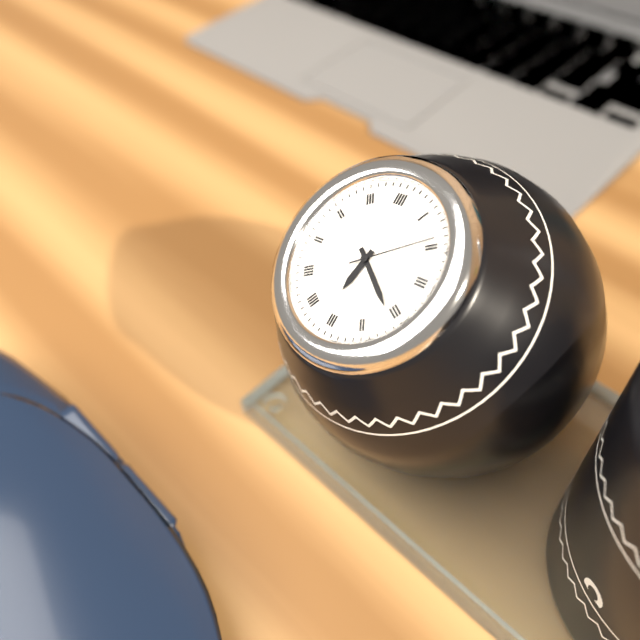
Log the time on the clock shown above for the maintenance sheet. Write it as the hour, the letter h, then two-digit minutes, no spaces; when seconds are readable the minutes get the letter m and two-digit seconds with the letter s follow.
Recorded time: 6h21m09s
